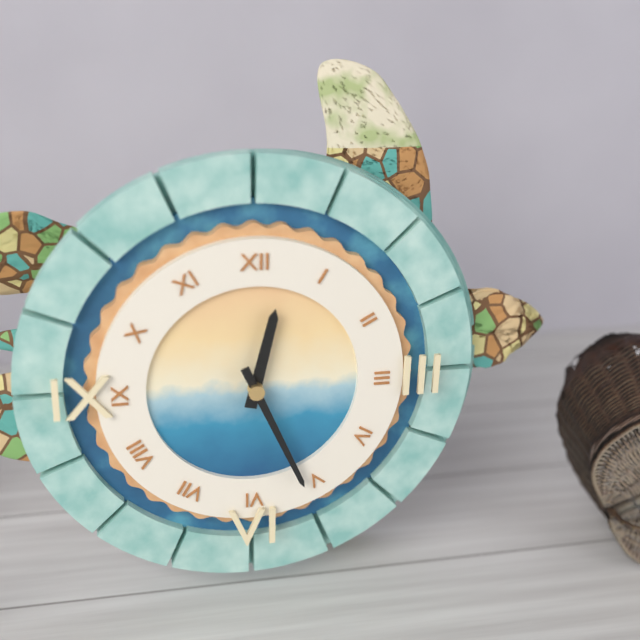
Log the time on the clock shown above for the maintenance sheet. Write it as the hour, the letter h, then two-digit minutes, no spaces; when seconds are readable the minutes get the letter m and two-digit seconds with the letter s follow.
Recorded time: 12h26
